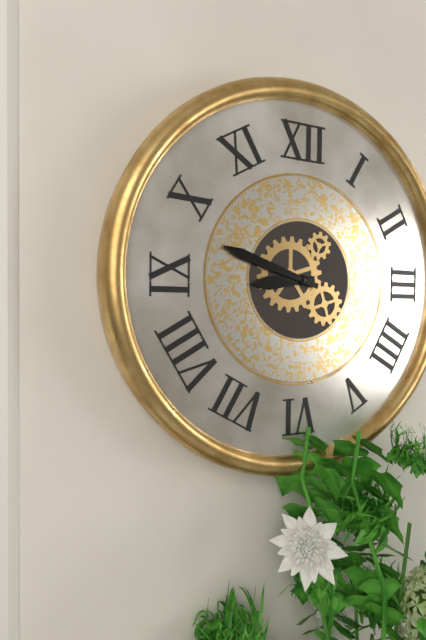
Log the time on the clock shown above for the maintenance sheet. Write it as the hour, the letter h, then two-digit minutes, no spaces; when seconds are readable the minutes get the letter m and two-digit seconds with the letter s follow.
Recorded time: 8h48
